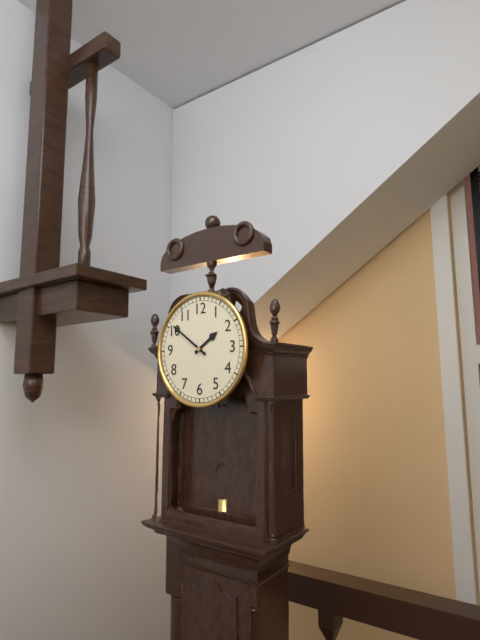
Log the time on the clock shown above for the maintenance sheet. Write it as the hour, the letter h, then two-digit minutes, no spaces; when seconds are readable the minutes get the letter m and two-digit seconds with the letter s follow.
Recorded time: 1h51
